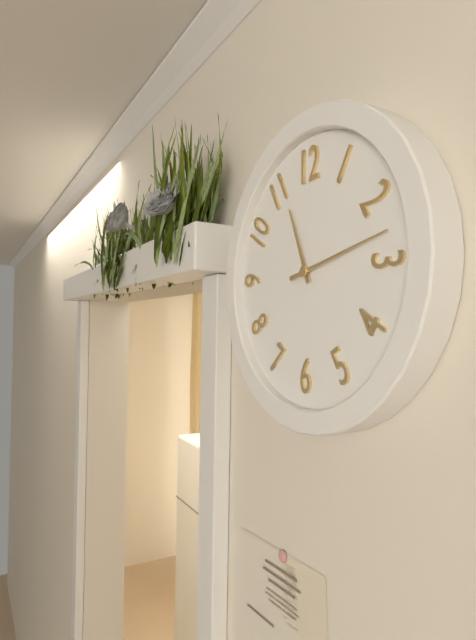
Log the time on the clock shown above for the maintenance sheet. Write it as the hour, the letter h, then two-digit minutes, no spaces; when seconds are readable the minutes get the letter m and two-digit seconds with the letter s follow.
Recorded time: 11h13
